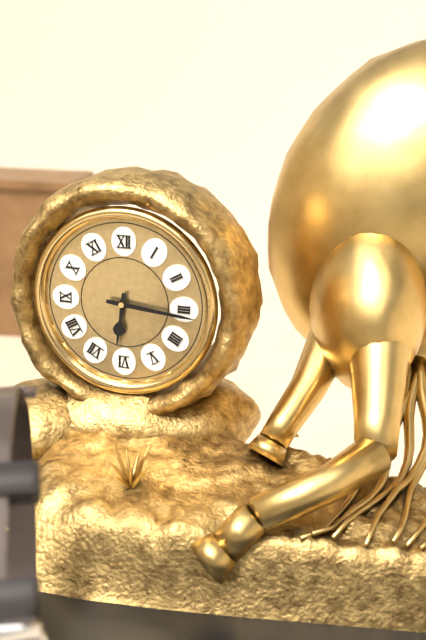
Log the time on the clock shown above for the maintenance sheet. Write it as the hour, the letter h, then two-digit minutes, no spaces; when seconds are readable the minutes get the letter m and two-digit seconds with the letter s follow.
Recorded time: 6h16
